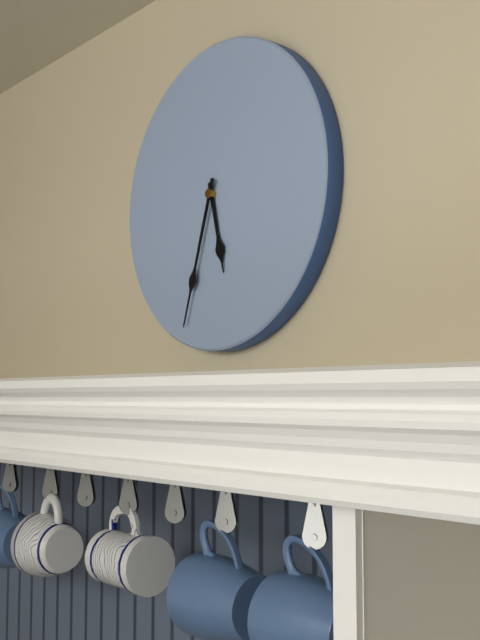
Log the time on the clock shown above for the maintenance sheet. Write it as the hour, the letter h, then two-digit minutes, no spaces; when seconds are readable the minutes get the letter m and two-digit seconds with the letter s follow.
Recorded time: 5h33
